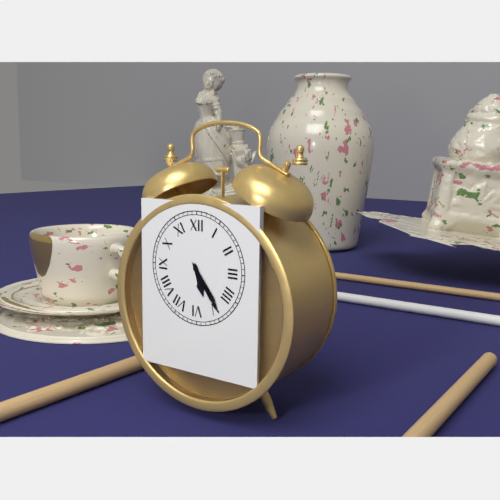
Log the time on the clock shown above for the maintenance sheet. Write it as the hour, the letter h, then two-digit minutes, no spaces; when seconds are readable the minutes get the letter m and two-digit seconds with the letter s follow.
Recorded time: 5h24
